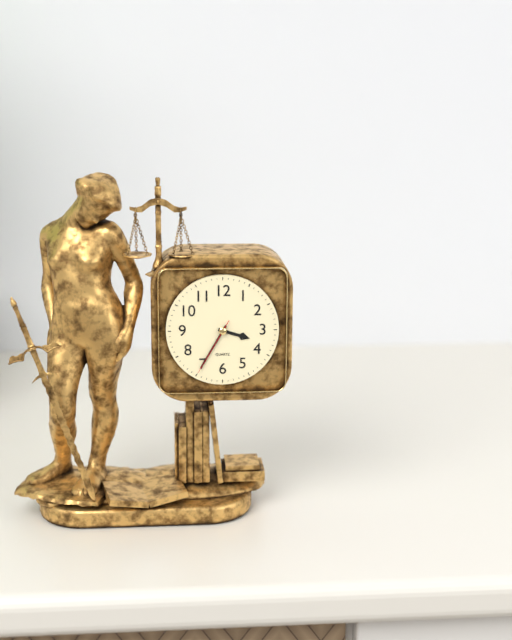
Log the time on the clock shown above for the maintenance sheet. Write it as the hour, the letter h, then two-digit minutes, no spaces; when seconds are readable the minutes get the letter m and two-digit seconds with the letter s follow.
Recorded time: 3h35m35s
